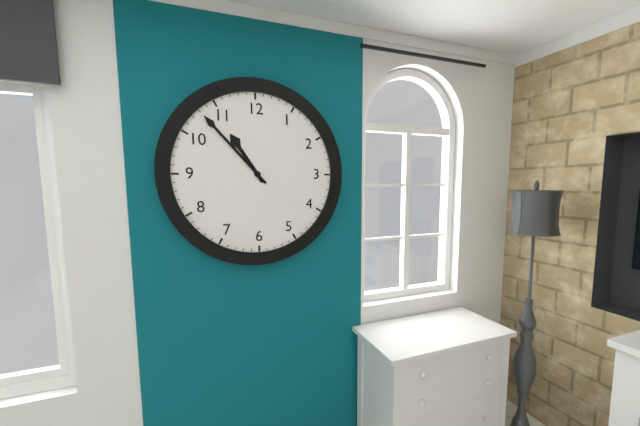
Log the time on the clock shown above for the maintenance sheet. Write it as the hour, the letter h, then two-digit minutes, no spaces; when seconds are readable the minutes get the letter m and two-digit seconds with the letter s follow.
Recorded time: 10h53
